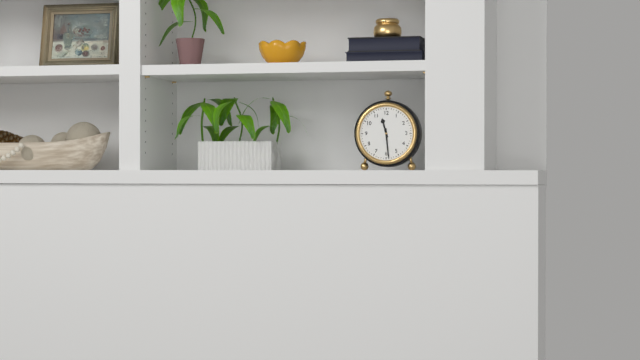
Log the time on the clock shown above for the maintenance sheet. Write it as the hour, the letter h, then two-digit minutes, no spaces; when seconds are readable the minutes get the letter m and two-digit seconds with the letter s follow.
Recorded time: 11h29
